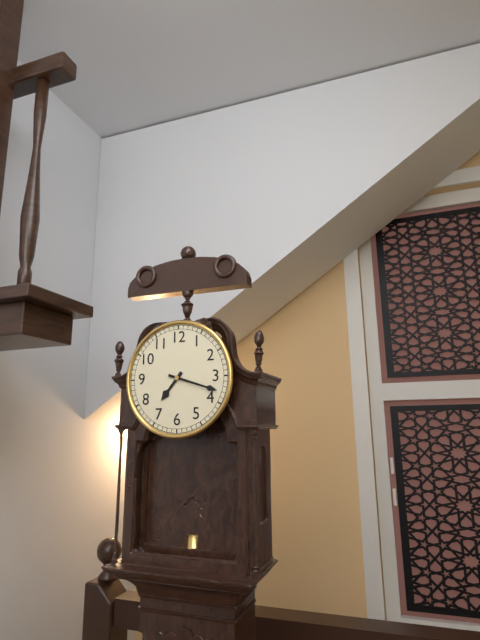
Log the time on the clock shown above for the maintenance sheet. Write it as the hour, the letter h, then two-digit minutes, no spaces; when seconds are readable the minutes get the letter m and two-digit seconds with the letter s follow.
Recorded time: 7h18
